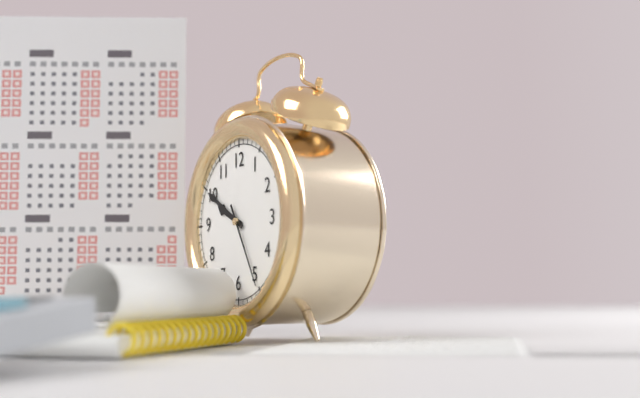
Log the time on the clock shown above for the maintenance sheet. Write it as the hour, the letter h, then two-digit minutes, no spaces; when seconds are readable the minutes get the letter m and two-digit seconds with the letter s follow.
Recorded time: 9h50m25s
